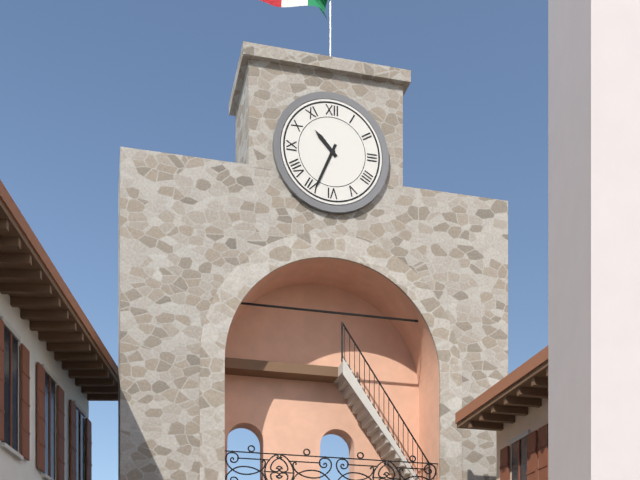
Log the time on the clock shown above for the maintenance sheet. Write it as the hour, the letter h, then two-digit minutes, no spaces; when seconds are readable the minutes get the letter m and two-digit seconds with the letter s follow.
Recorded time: 10h34
